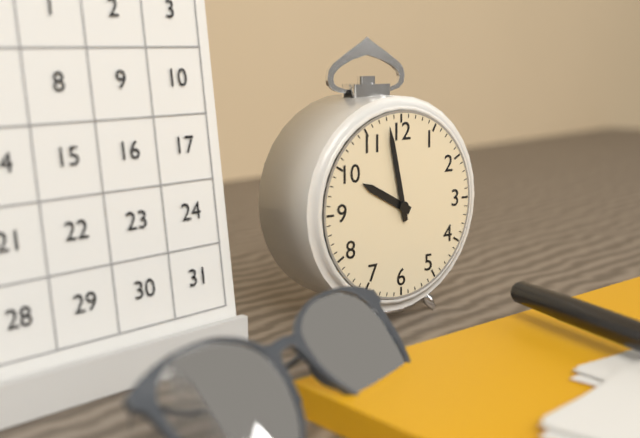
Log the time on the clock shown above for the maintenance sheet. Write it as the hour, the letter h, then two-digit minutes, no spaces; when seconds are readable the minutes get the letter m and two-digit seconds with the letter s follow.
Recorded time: 9h58
